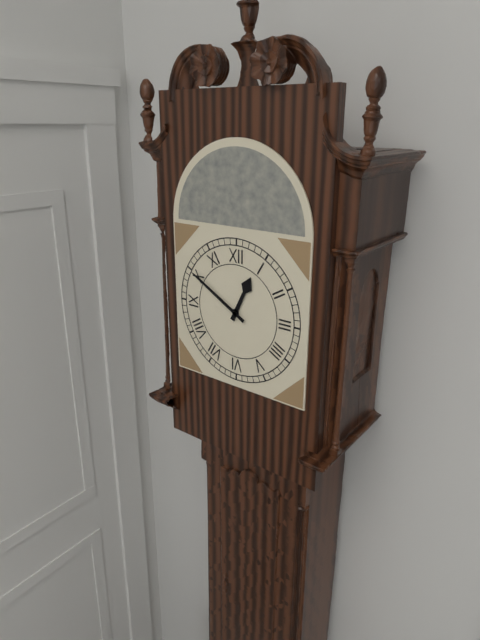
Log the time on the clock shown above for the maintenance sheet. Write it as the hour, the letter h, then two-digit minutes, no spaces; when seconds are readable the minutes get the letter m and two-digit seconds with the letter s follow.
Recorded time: 12h50
